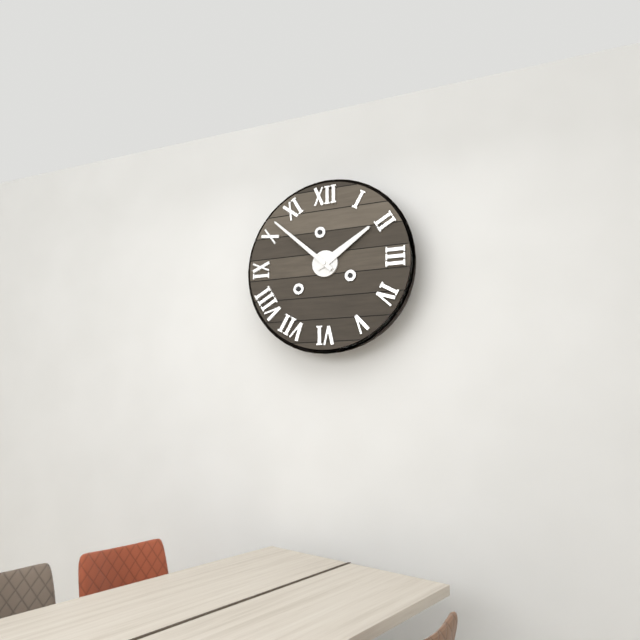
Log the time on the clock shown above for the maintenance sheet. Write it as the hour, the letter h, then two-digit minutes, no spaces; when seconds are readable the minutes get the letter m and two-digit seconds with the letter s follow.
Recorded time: 1h52
